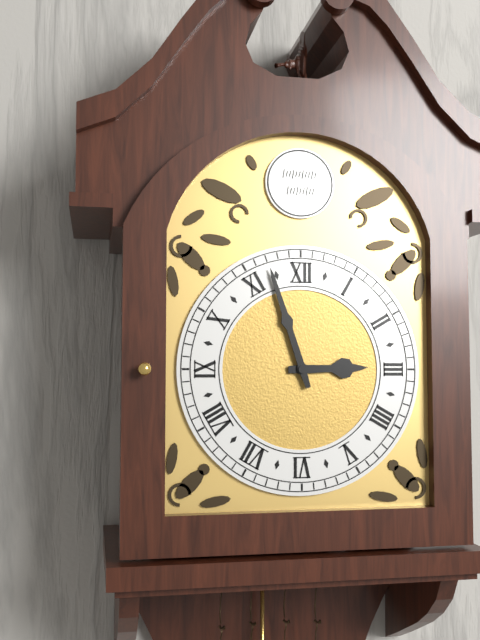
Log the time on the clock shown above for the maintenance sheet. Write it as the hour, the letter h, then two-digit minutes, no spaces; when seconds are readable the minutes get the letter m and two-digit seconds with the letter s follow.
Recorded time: 2h57
